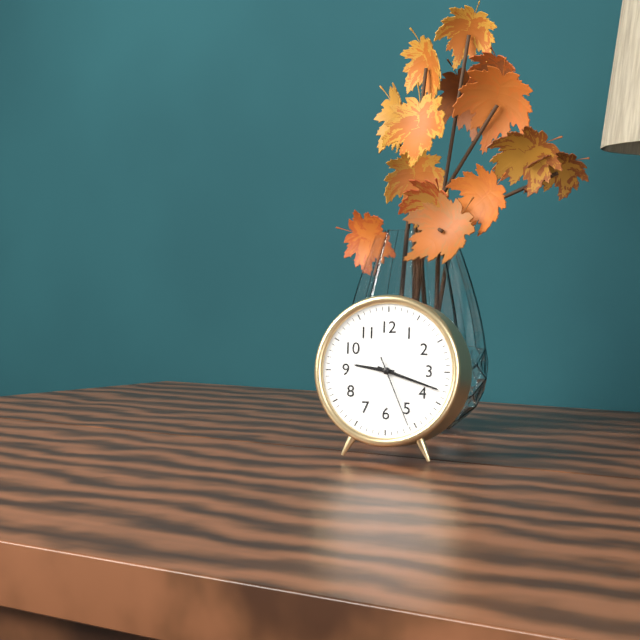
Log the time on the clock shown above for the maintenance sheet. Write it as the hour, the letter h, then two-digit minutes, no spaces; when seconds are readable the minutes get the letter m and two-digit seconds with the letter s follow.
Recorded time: 9h18m26s
